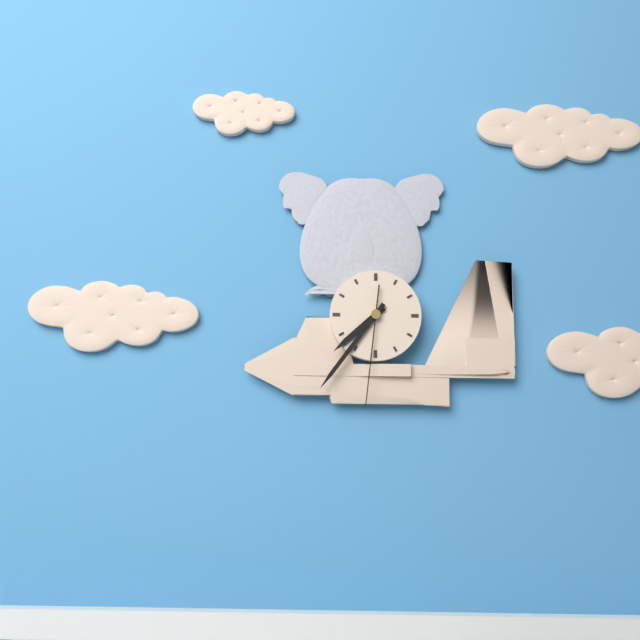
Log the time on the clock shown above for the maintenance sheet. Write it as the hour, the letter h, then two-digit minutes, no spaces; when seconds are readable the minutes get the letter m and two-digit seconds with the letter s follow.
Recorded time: 7h36m31s
